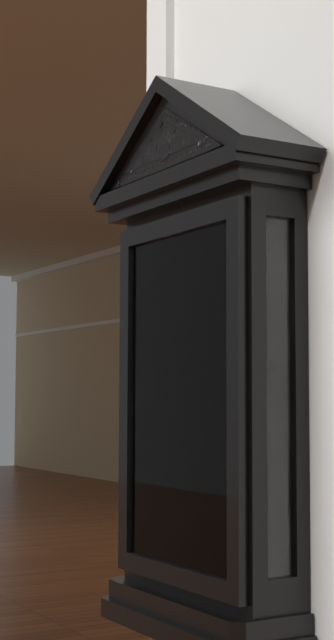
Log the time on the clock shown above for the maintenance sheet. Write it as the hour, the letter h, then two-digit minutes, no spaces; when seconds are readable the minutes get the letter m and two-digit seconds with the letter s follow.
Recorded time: 1h27
